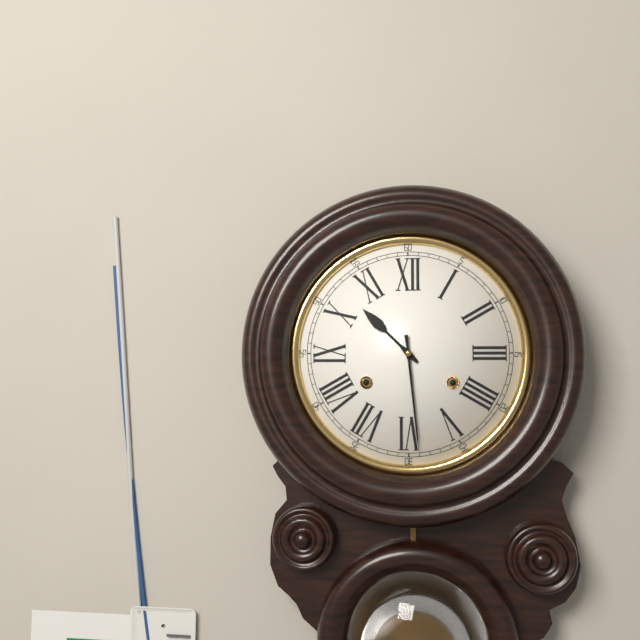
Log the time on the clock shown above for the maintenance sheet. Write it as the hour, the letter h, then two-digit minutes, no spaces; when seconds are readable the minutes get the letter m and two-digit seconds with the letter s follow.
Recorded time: 10h29
